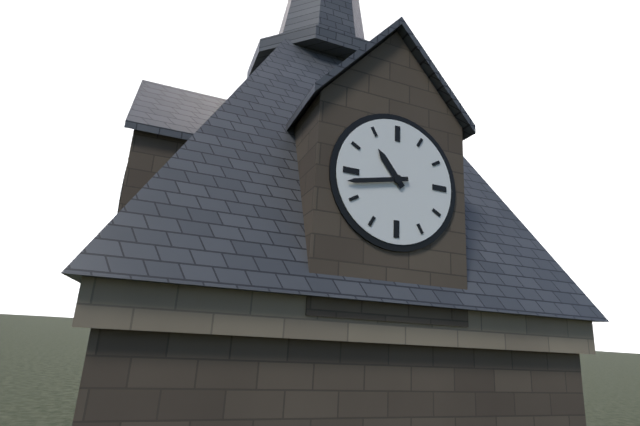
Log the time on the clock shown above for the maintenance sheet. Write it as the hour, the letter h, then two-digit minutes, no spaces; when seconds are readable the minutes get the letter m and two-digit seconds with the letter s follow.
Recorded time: 10h43
